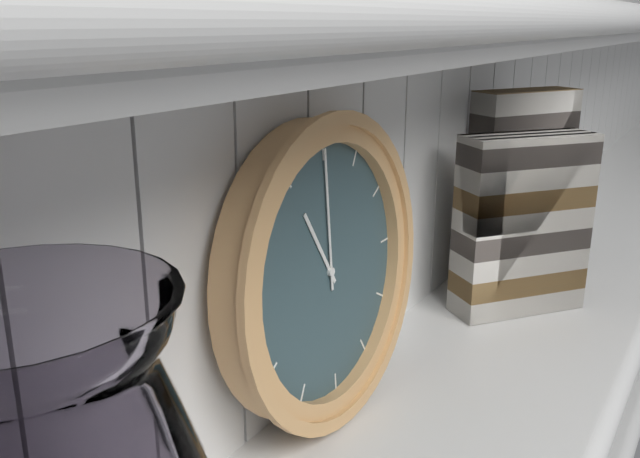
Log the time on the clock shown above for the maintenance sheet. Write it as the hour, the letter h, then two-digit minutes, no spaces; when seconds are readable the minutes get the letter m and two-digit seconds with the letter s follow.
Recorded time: 11h00
